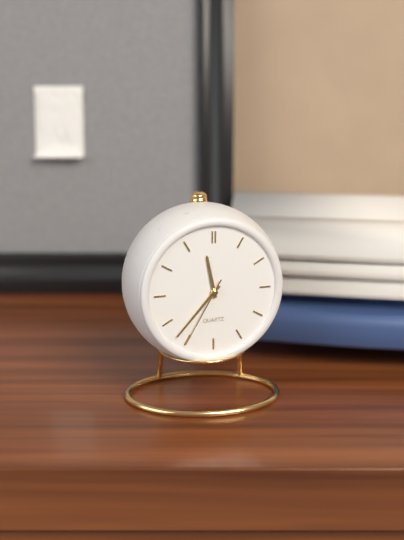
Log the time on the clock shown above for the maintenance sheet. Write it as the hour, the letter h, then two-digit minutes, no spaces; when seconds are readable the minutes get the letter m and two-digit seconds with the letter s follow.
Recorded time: 11h37m35s
